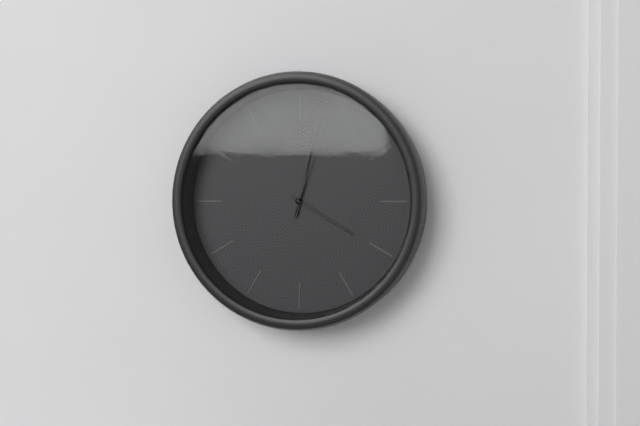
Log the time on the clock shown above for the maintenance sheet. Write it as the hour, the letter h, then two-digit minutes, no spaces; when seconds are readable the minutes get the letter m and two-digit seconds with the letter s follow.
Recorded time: 4h02m03s
